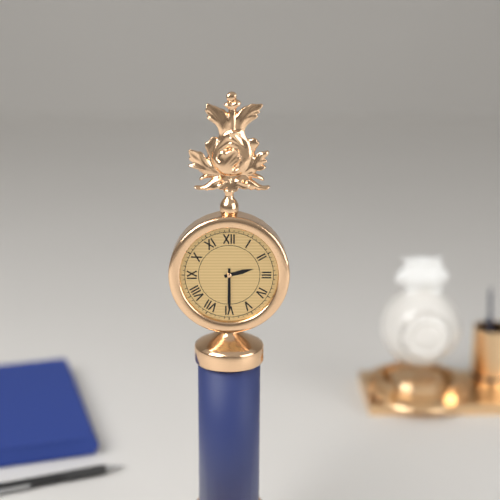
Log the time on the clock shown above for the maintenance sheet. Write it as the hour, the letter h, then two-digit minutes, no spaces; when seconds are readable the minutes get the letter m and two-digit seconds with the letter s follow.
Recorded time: 2h30
